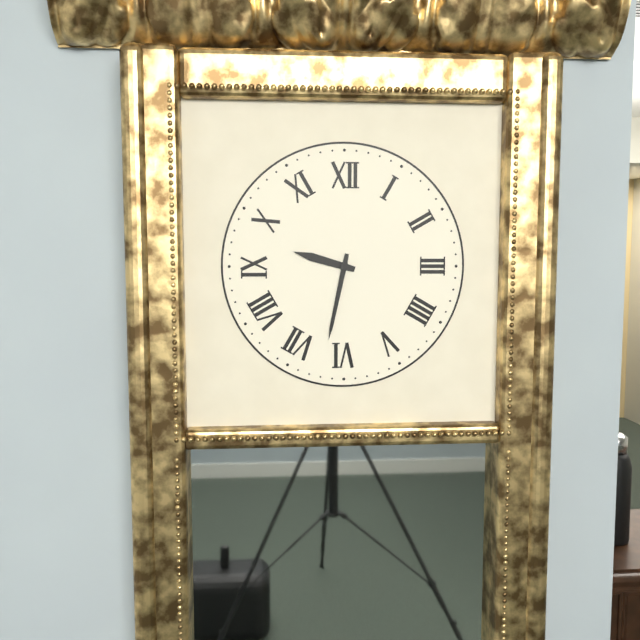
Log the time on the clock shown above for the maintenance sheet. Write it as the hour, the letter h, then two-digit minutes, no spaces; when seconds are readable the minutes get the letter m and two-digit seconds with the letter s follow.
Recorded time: 9h32
